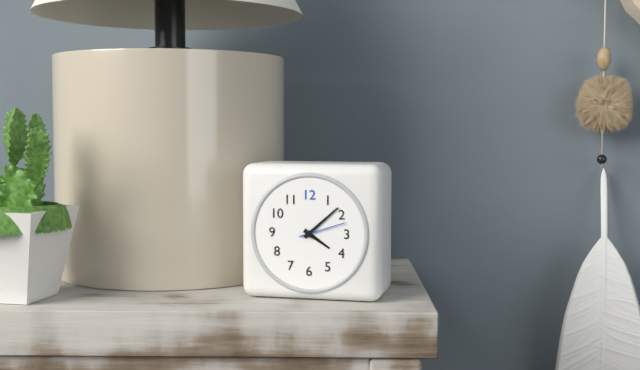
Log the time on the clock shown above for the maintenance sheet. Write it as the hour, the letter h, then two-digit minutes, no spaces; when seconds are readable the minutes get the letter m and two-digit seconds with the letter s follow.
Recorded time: 4h08
